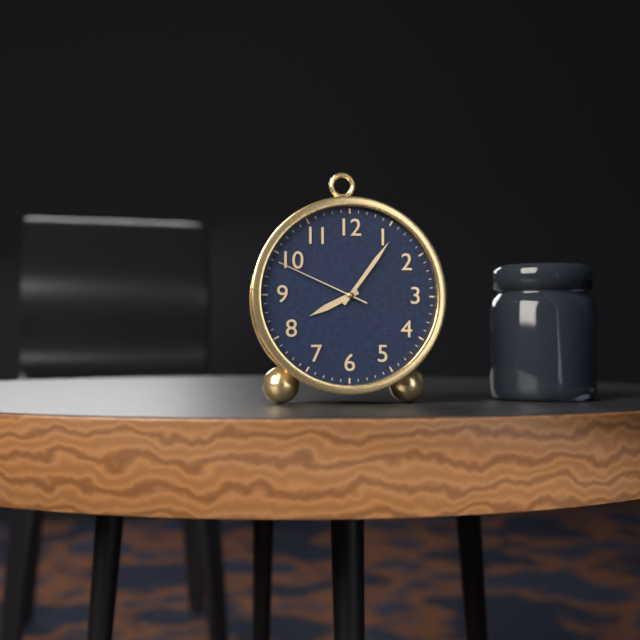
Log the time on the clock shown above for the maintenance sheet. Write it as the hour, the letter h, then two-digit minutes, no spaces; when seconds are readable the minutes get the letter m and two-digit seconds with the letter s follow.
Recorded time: 8h06m49s
